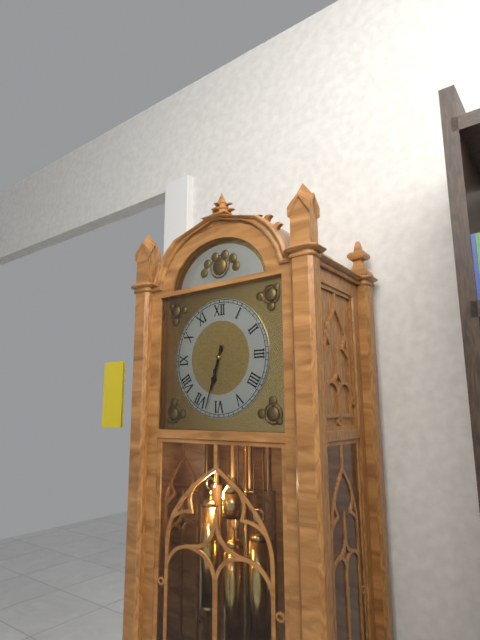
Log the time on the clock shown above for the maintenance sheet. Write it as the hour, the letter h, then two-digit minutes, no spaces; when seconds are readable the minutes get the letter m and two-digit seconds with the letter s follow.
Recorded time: 6h33
